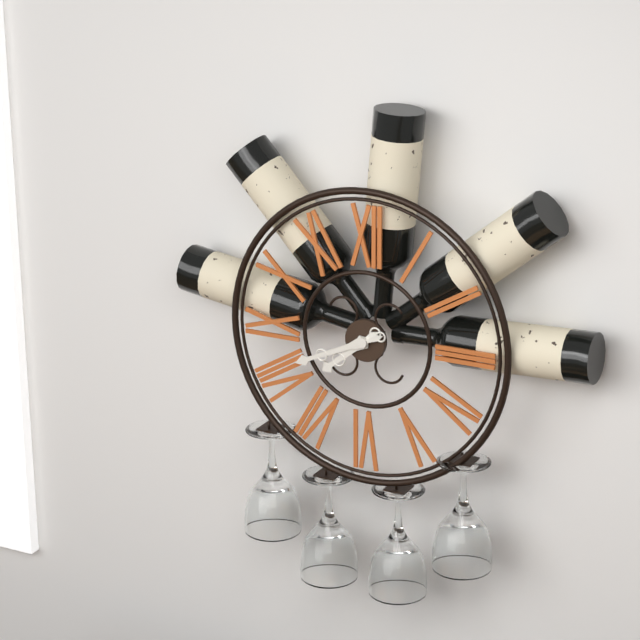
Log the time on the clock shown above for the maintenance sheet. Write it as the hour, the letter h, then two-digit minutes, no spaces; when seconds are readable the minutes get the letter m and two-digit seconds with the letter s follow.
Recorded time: 7h41
